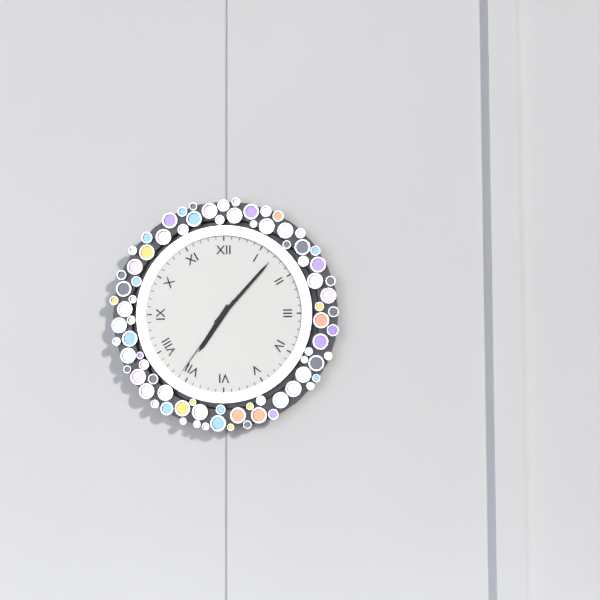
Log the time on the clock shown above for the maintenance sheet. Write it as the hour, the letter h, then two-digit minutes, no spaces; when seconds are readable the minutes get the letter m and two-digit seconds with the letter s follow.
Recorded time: 7h07m36s
